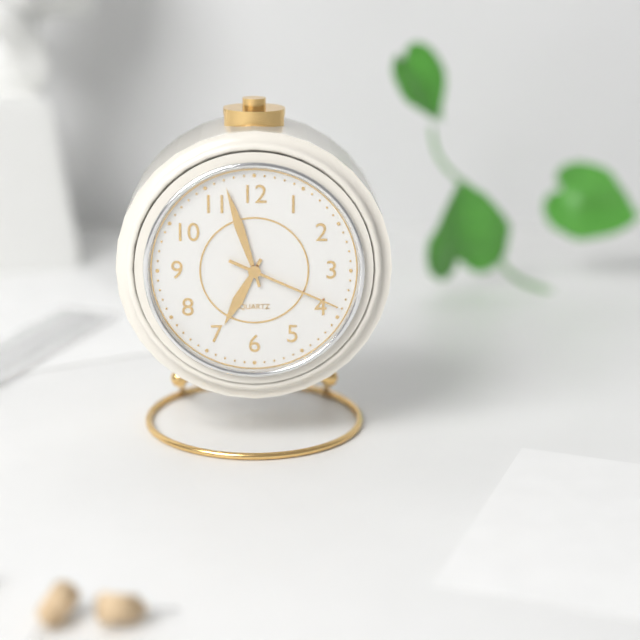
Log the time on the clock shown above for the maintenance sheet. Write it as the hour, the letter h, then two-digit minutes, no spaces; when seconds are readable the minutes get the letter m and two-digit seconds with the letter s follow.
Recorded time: 6h57m19s
